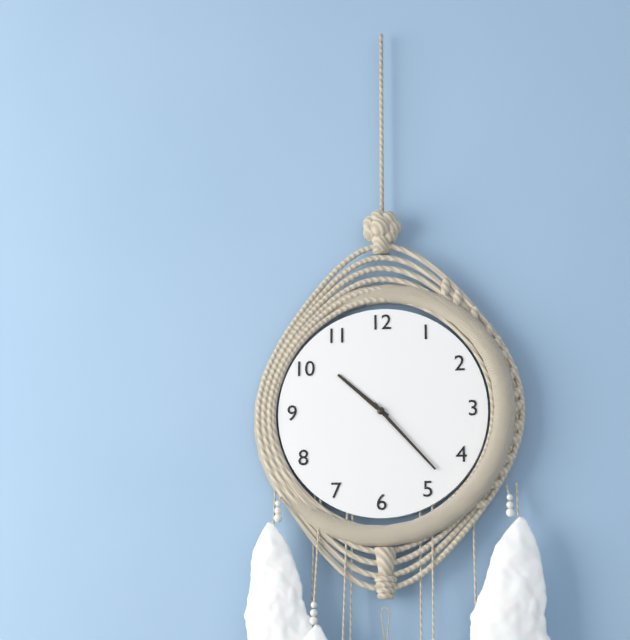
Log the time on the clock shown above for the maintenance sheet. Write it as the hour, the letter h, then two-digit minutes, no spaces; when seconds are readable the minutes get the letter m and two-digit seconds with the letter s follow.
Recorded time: 10h23
